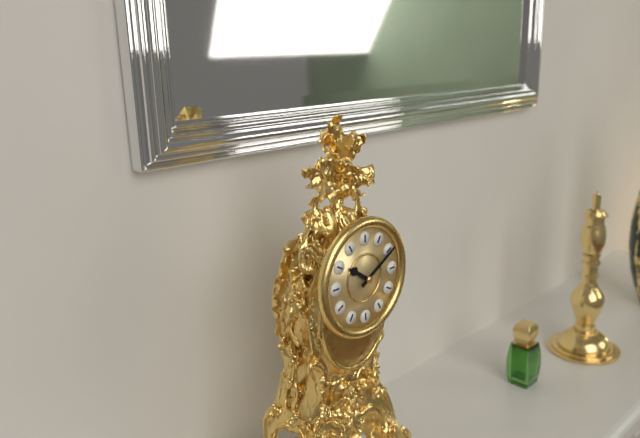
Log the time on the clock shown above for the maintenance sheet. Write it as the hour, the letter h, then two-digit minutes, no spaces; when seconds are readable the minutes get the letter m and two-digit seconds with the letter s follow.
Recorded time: 10h10
